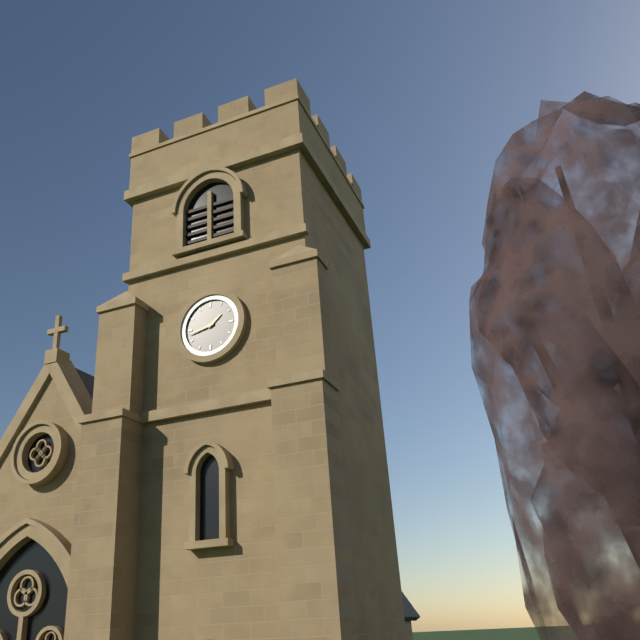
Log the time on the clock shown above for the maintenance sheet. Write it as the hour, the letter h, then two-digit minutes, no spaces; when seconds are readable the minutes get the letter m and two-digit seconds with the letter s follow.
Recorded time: 1h43
